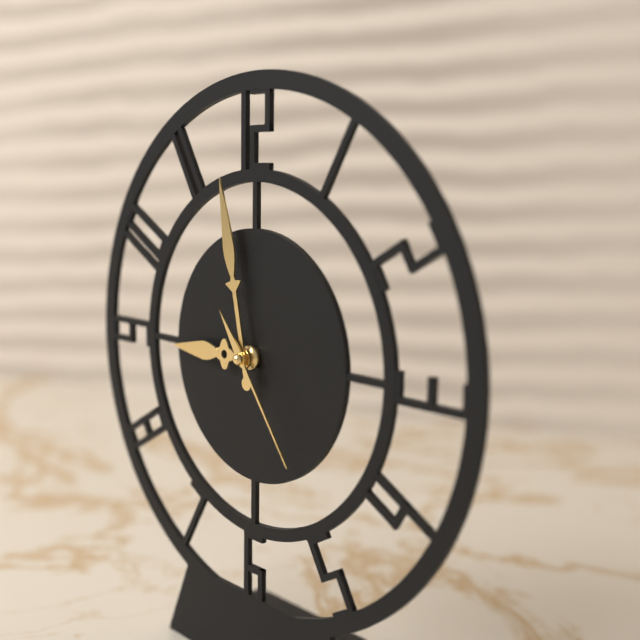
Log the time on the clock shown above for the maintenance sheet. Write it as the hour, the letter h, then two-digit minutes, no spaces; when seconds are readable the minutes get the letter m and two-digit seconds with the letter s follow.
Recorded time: 8h58m24s
